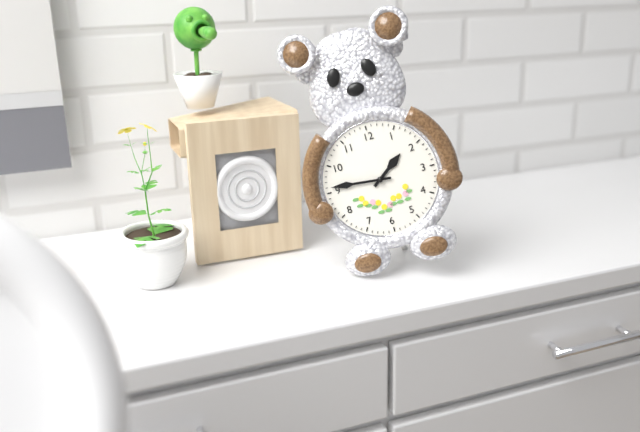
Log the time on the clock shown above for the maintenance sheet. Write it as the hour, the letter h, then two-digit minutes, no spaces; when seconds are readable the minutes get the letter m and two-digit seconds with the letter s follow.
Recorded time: 1h46
